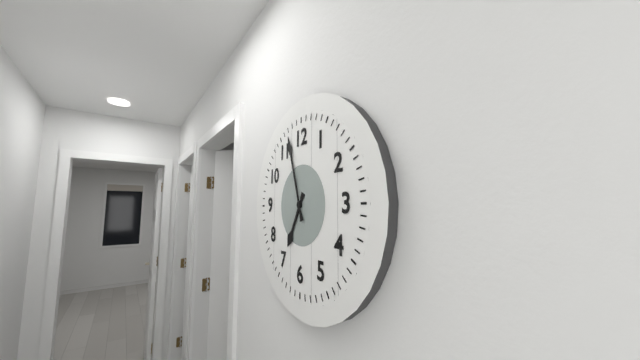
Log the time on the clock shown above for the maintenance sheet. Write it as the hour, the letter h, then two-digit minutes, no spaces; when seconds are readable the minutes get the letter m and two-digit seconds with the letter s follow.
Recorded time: 6h57
